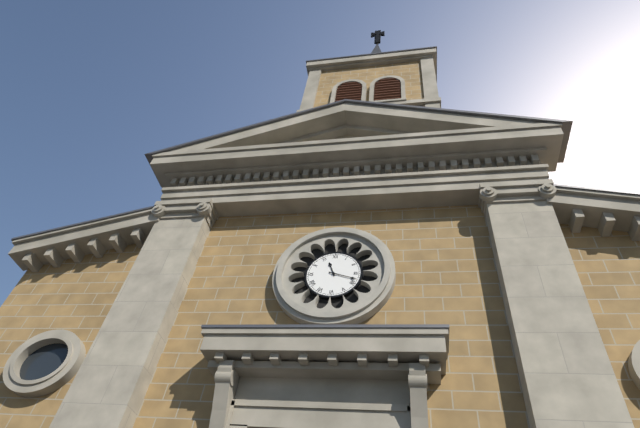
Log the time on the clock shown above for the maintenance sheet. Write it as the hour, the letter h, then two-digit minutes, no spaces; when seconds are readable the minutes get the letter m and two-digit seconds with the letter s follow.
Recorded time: 11h18
